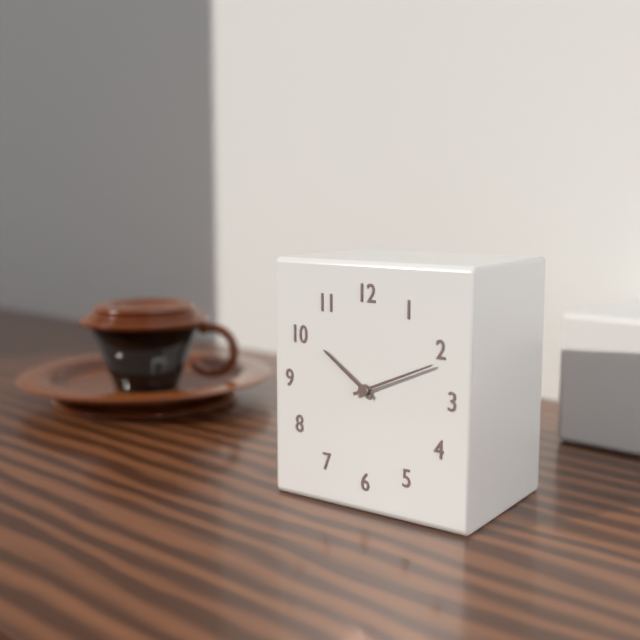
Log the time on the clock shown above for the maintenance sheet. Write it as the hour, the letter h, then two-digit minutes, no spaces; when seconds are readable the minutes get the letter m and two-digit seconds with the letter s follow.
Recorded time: 10h11
